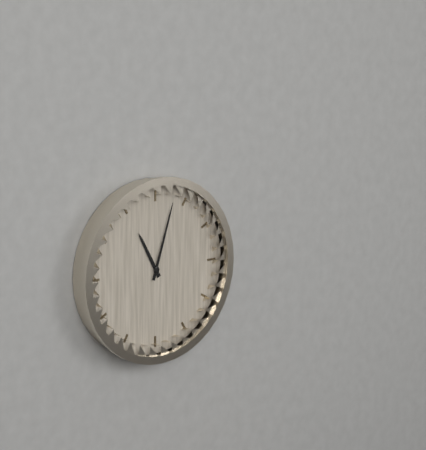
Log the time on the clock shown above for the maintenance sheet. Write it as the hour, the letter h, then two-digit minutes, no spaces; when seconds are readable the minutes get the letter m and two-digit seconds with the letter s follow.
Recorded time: 11h03
